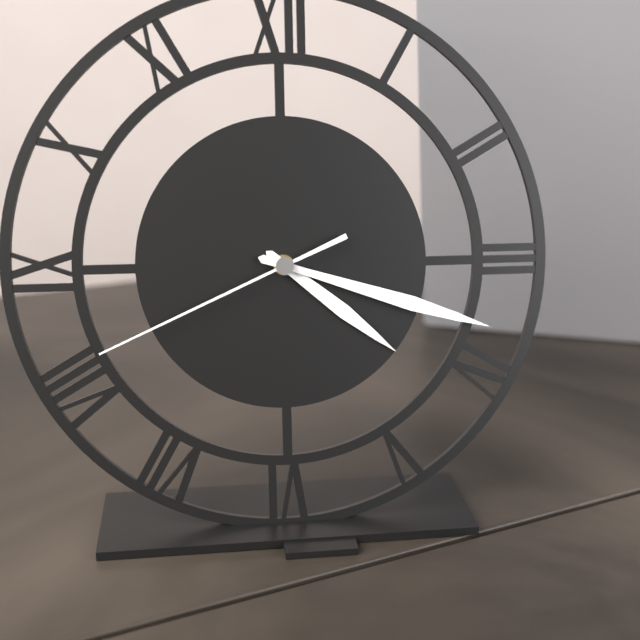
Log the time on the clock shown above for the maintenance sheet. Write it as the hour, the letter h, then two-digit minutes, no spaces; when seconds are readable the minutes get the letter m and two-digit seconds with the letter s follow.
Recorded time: 4h18m41s
